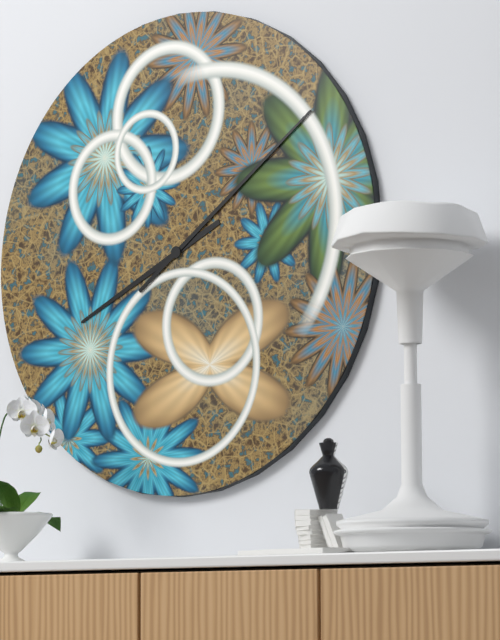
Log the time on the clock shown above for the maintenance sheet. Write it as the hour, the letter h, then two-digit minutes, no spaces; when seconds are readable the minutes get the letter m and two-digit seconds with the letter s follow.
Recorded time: 8h09
